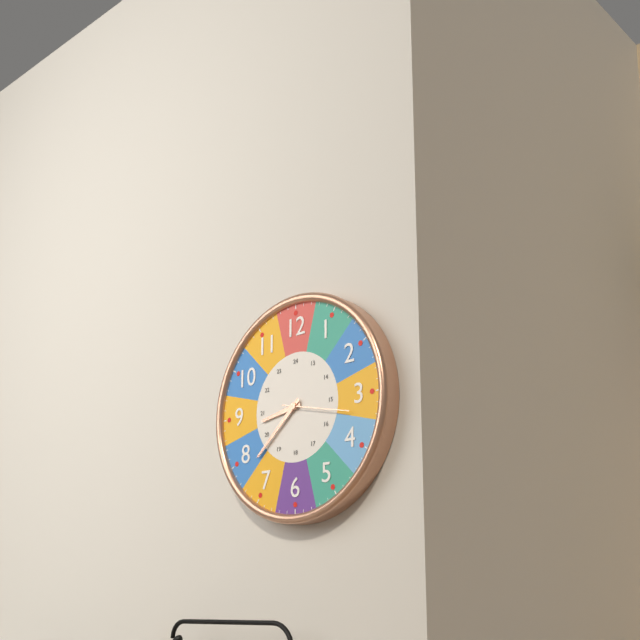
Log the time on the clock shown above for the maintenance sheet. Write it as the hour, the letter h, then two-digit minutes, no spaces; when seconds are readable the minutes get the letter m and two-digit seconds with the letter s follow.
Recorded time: 8h38m17s
